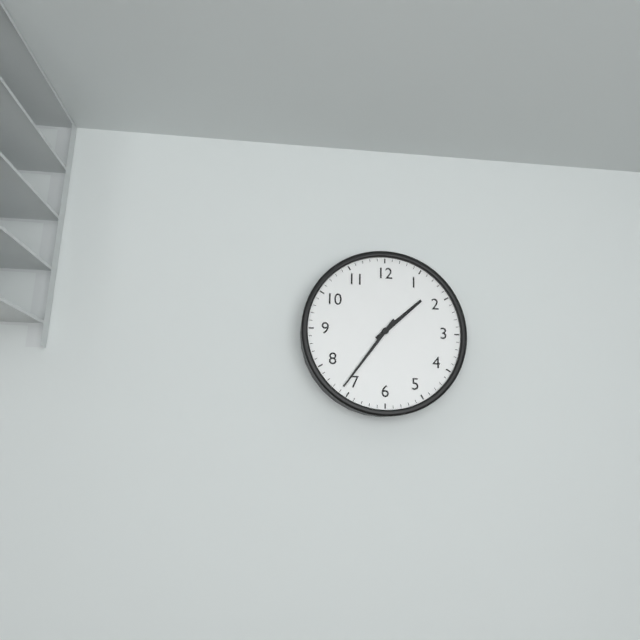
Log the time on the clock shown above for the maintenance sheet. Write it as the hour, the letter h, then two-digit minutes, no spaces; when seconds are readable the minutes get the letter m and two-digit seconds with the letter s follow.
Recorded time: 1h36
